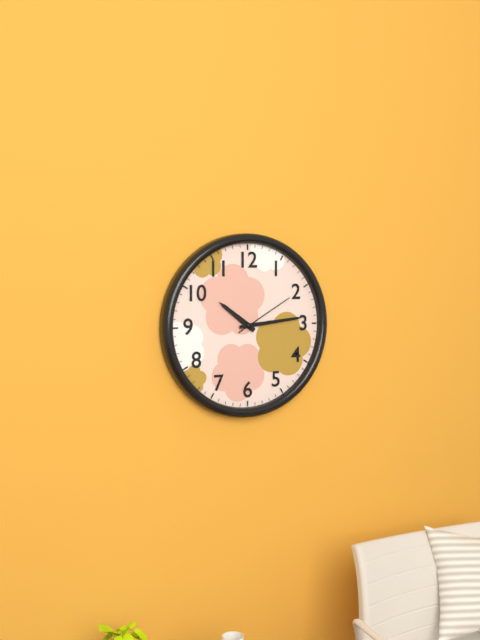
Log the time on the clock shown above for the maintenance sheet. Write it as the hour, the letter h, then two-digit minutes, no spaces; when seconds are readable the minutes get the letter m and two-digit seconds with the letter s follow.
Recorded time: 10h14m10s
